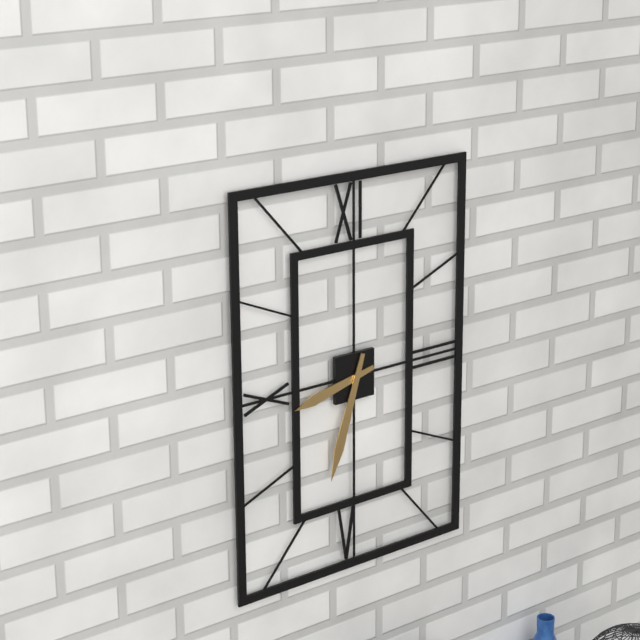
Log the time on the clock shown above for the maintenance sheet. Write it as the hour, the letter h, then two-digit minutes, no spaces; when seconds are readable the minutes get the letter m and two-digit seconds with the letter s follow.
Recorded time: 8h33
